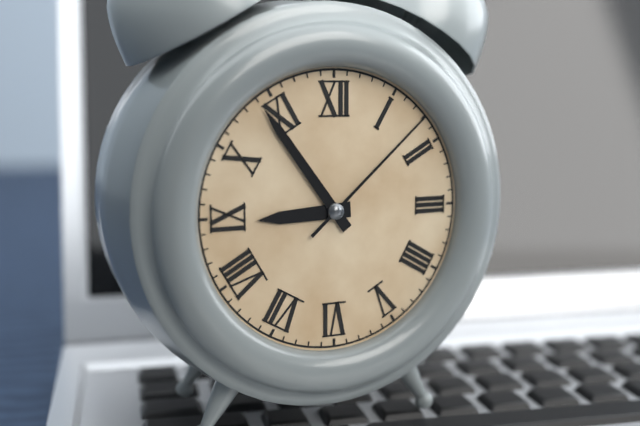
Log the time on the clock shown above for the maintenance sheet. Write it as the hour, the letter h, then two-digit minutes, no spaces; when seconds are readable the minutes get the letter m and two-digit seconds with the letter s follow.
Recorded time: 8h54m08s
